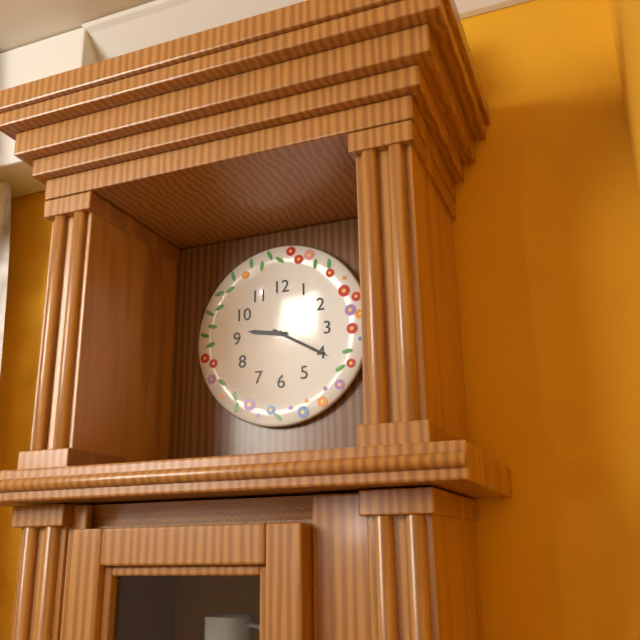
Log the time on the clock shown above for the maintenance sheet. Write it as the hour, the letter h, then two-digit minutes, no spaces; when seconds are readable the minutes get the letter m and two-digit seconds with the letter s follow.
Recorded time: 9h20
